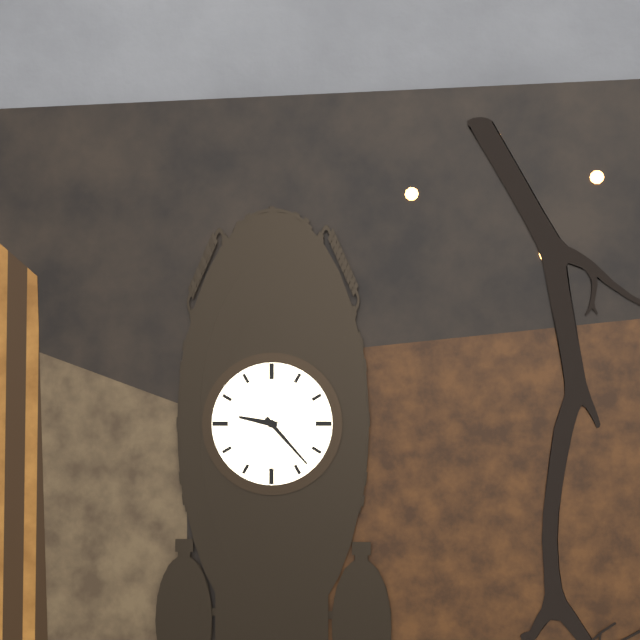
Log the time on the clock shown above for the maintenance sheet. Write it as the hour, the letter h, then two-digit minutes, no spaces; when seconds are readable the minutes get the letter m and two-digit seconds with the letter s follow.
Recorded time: 9h23
